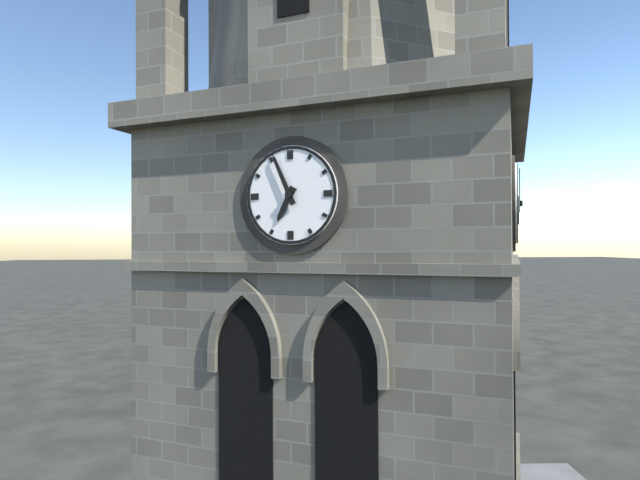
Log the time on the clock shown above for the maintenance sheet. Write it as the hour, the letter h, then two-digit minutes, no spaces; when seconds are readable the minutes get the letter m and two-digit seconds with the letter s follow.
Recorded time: 6h56
